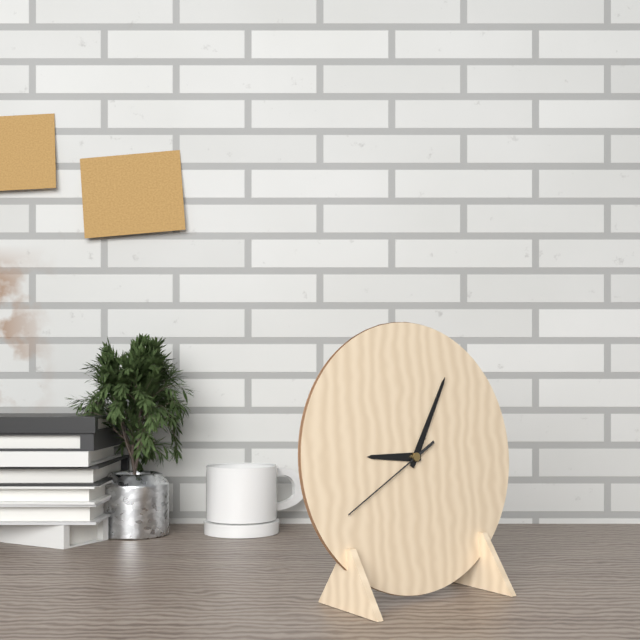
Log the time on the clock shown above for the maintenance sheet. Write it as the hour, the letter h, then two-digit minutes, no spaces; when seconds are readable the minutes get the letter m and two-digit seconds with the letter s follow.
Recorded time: 9h05m40s
